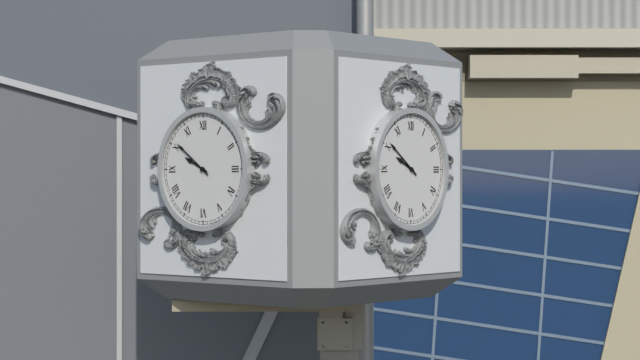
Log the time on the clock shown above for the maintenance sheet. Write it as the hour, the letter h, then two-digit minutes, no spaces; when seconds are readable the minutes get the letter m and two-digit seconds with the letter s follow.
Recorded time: 9h51
